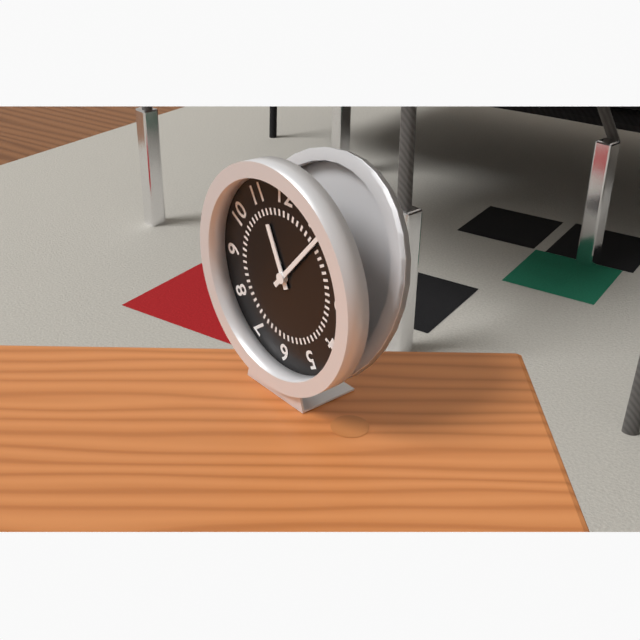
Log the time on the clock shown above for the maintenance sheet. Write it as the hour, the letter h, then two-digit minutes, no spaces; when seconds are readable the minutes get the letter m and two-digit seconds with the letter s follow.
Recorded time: 11h07
